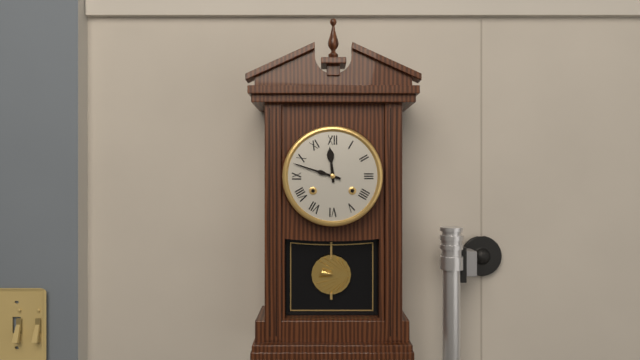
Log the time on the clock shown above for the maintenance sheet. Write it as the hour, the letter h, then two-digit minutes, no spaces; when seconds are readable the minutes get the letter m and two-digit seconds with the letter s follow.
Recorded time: 11h48
